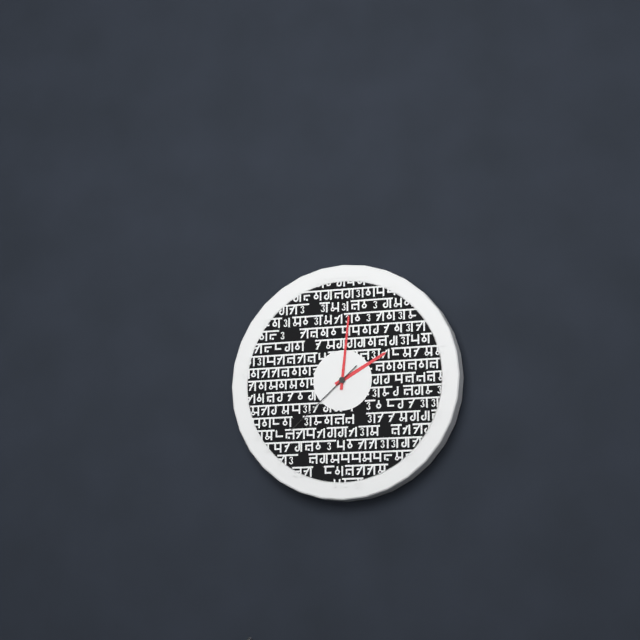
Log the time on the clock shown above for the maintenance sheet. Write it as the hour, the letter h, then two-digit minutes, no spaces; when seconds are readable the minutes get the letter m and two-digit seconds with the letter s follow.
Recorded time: 2h01m38s
